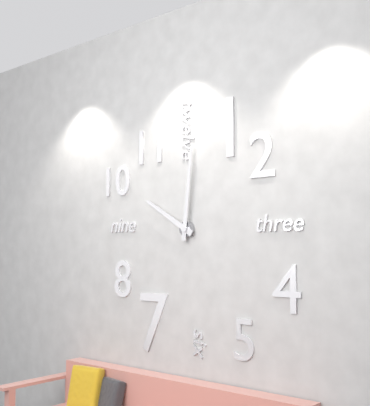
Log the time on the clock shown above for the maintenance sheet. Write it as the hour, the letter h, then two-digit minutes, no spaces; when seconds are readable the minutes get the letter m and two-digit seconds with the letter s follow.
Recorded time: 10h01
